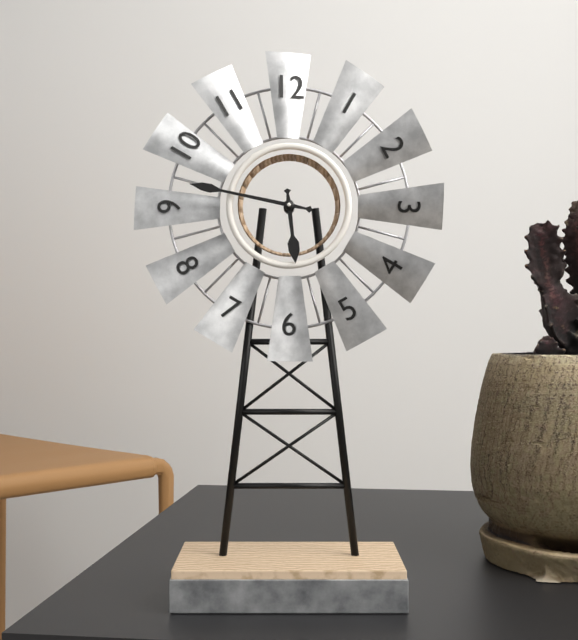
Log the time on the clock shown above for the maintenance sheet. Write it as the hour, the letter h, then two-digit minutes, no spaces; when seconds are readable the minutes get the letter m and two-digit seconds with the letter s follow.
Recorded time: 5h47
